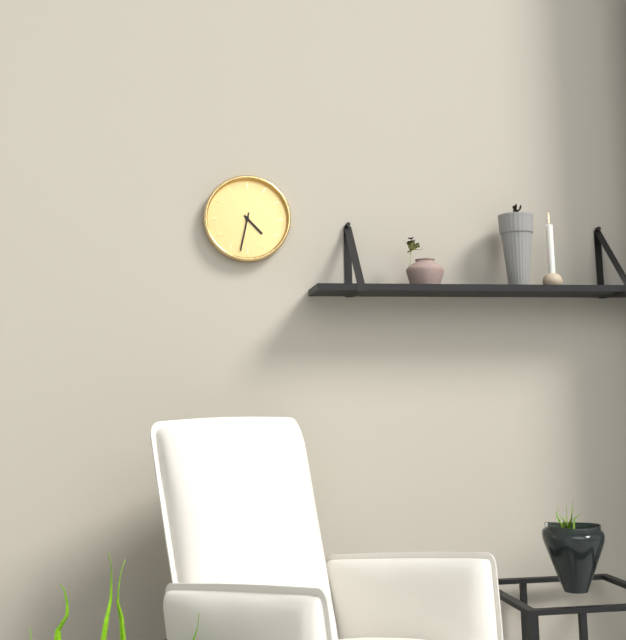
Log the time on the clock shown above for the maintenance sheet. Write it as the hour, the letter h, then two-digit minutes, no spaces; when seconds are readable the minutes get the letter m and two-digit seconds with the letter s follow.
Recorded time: 4h32
